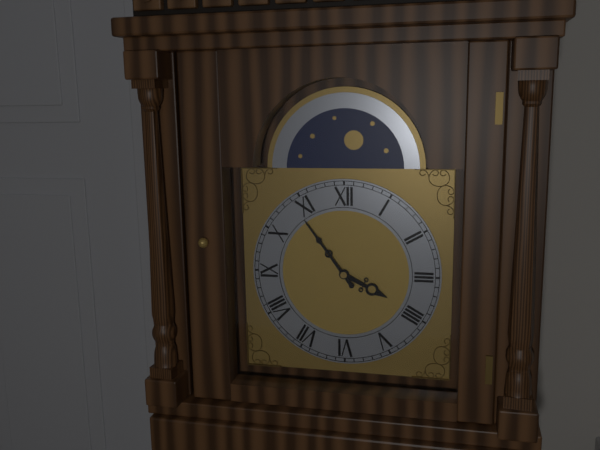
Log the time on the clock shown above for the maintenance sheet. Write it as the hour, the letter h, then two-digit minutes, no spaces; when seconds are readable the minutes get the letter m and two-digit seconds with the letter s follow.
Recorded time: 3h54
